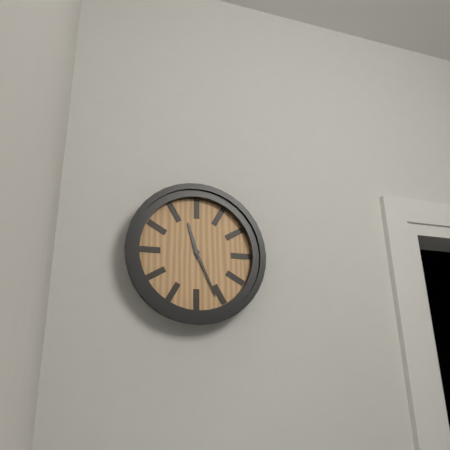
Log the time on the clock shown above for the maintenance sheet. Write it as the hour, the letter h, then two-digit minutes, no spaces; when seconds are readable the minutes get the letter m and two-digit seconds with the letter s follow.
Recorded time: 11h26
